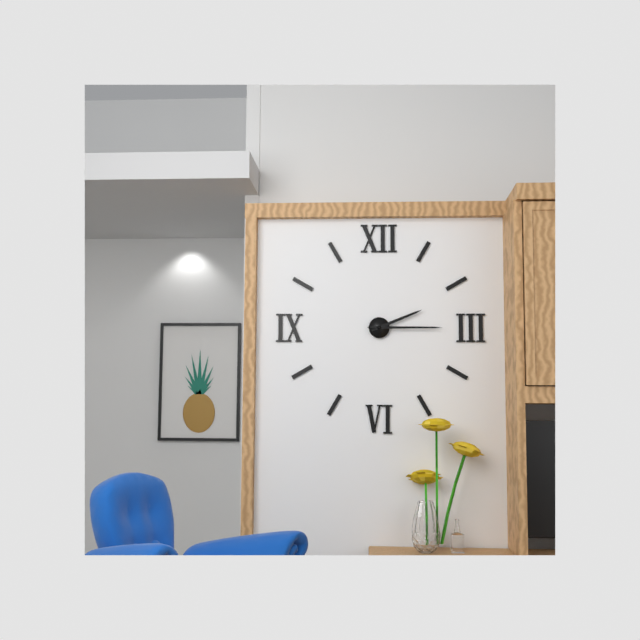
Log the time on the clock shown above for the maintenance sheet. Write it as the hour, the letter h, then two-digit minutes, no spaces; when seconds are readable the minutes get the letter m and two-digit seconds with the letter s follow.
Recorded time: 2h15
